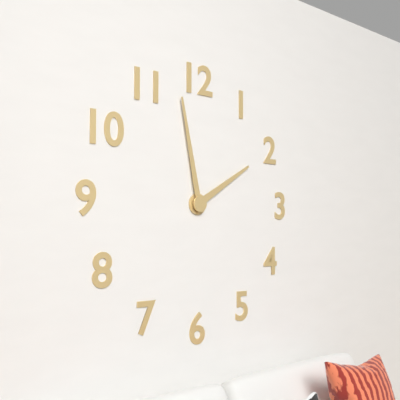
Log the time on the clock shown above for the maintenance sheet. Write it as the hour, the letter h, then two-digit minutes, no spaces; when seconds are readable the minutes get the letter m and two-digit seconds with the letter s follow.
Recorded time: 1h58
